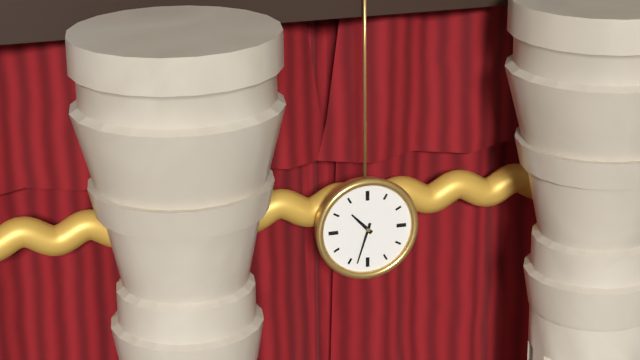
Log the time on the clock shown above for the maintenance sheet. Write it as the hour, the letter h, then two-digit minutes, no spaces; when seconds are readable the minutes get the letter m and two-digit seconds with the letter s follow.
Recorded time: 10h33
